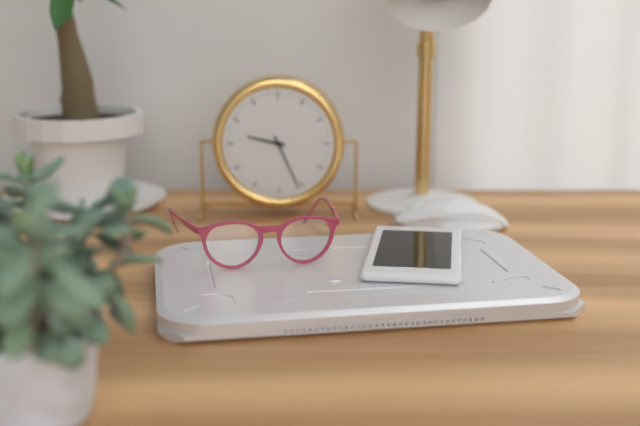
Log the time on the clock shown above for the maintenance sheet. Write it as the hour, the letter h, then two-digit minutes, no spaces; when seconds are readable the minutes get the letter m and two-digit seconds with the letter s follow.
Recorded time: 9h26
